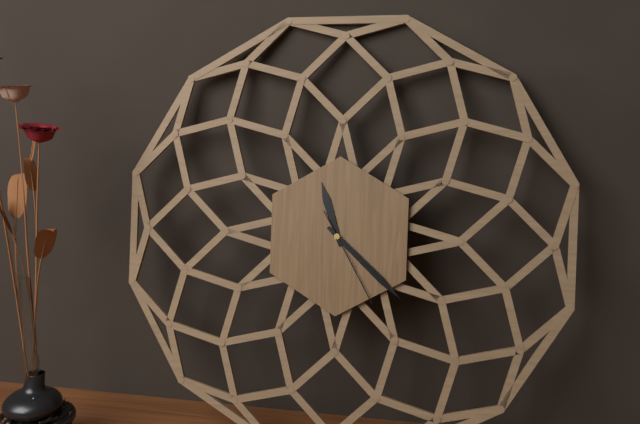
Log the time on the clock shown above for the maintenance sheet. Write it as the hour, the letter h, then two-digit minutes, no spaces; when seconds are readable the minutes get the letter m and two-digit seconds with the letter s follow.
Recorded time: 11h22m25s
